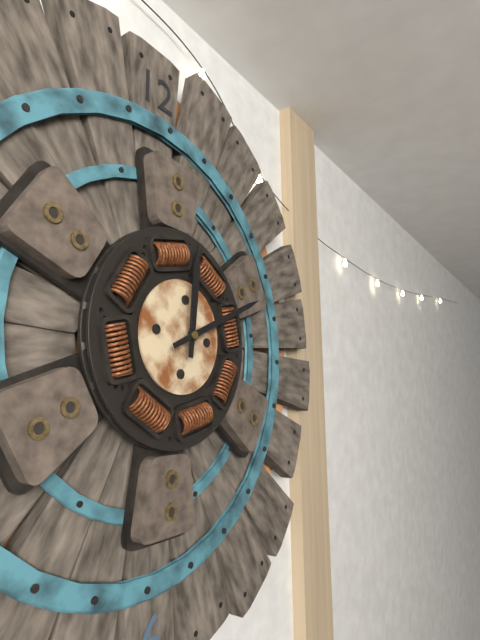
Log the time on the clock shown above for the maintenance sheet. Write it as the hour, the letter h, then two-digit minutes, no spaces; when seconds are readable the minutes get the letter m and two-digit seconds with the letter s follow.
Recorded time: 12h11
